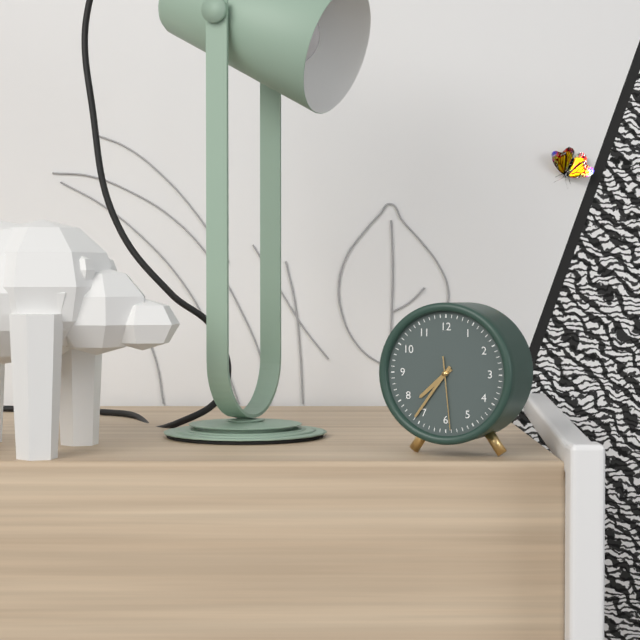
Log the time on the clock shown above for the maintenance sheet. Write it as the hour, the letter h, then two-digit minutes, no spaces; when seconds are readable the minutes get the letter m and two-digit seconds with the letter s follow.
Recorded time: 7h36m29s
